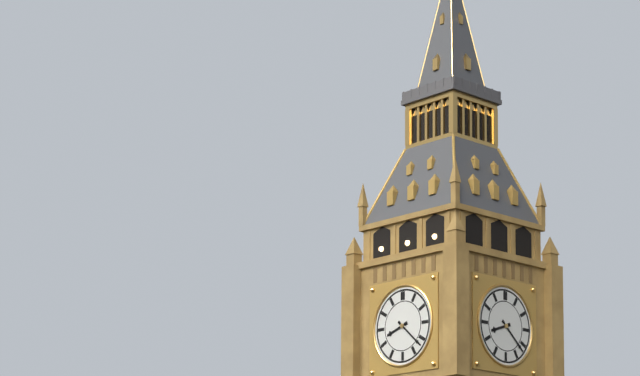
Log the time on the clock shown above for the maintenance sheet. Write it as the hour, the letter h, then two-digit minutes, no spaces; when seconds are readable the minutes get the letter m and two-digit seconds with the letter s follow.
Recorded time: 8h22
